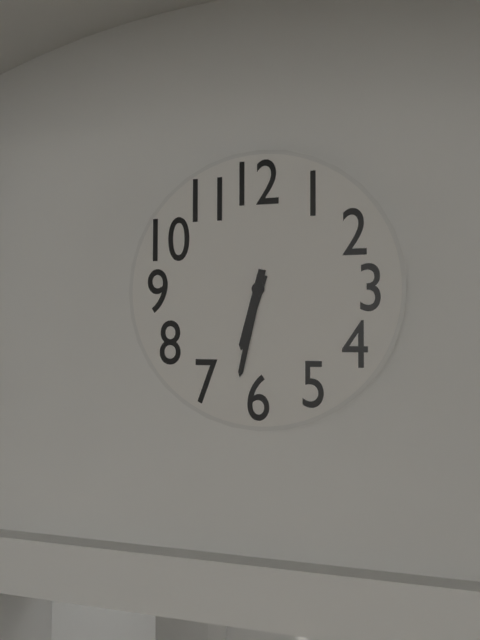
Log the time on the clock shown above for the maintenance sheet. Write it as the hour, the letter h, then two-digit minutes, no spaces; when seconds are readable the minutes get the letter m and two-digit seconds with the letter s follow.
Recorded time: 6h32
